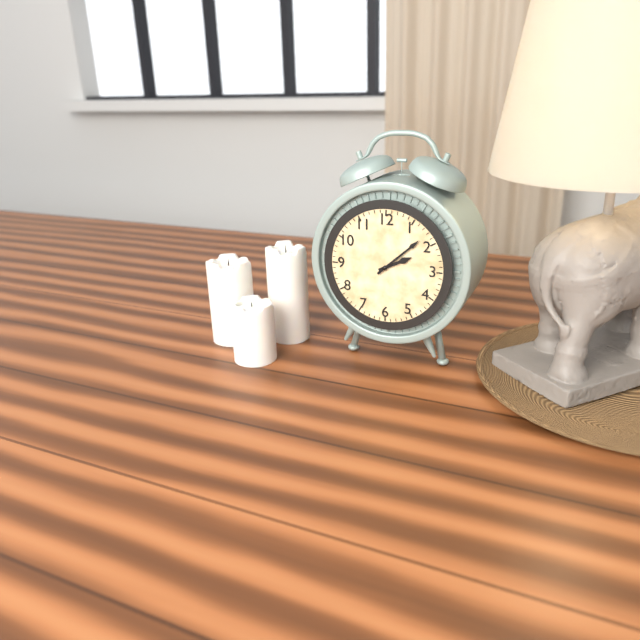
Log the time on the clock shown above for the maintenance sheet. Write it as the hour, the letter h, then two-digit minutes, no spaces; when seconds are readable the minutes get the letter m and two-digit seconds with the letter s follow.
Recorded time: 2h08
